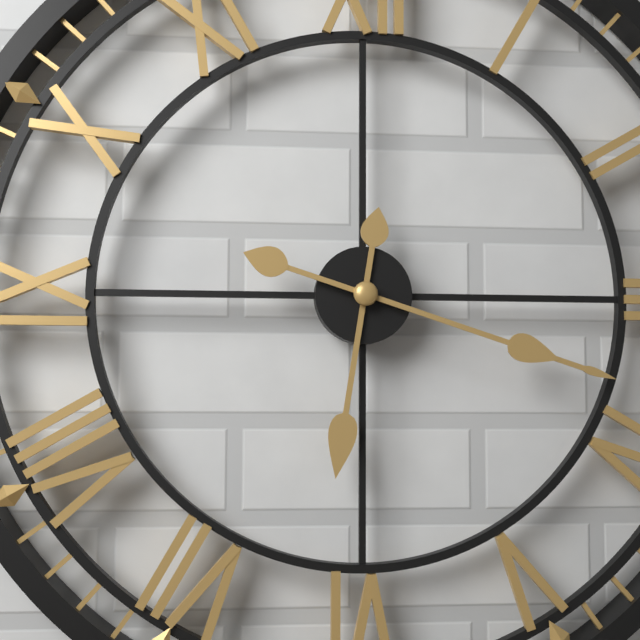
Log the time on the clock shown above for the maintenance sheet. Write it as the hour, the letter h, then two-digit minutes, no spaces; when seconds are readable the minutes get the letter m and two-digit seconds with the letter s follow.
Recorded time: 6h18
